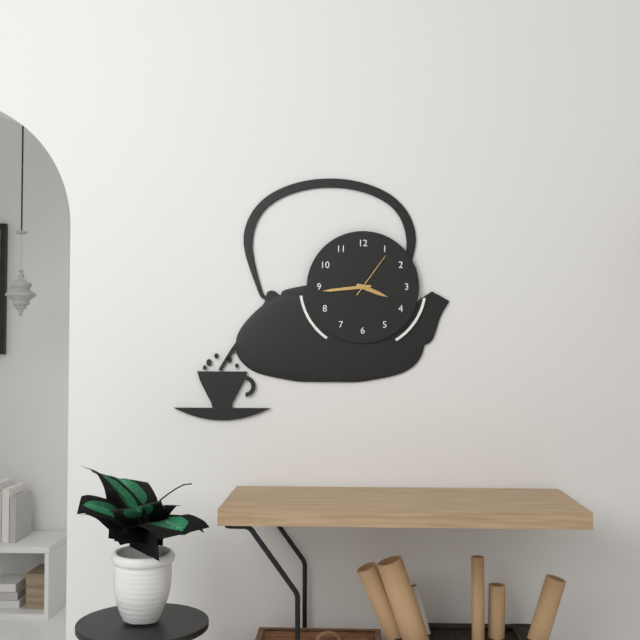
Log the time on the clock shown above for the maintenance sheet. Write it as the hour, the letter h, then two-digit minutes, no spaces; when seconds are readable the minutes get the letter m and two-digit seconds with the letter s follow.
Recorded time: 3h44m06s
